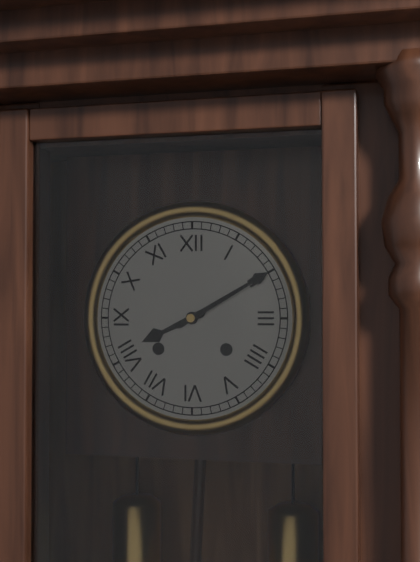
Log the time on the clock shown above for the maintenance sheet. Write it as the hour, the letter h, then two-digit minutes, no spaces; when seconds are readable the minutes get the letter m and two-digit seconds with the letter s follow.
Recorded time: 8h10
